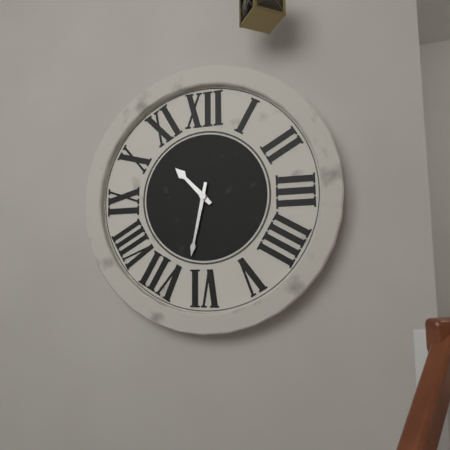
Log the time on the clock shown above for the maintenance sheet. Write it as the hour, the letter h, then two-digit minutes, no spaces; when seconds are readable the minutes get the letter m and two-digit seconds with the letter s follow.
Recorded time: 10h32
